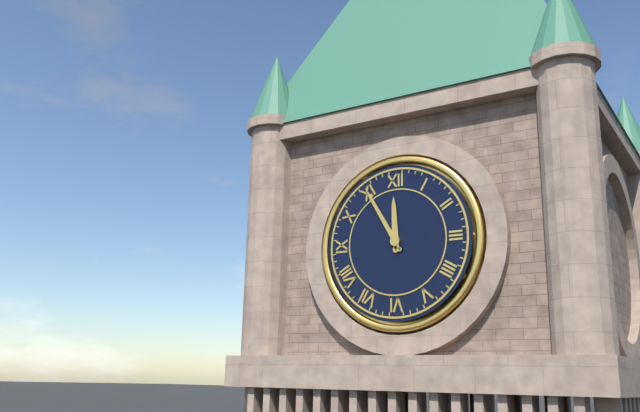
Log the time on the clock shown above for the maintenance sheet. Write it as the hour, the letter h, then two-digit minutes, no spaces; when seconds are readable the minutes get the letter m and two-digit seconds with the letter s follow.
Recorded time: 11h55
